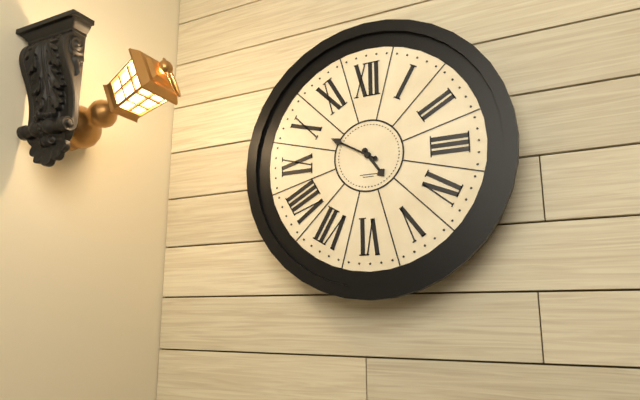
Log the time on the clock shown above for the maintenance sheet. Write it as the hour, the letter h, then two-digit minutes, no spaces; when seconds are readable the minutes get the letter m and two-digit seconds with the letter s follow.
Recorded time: 4h50
